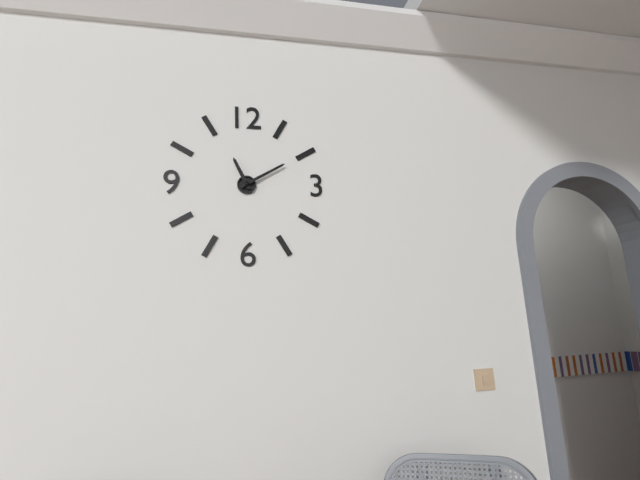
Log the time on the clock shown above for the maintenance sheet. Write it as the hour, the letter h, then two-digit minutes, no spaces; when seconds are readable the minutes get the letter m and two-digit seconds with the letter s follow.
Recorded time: 11h10
